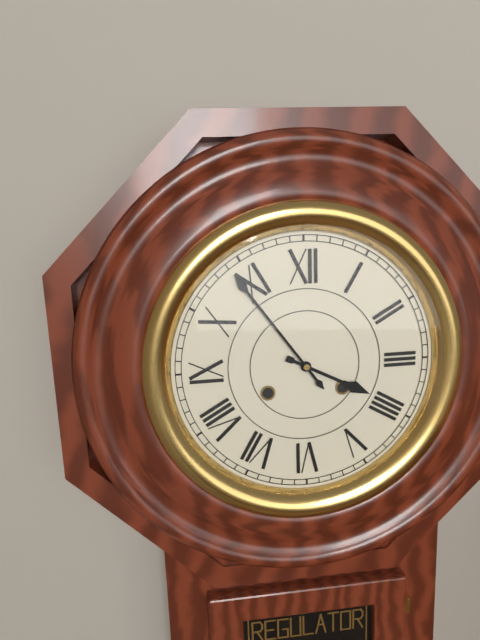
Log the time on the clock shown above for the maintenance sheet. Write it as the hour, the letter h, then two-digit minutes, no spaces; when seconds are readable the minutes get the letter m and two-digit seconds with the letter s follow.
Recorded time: 3h54
